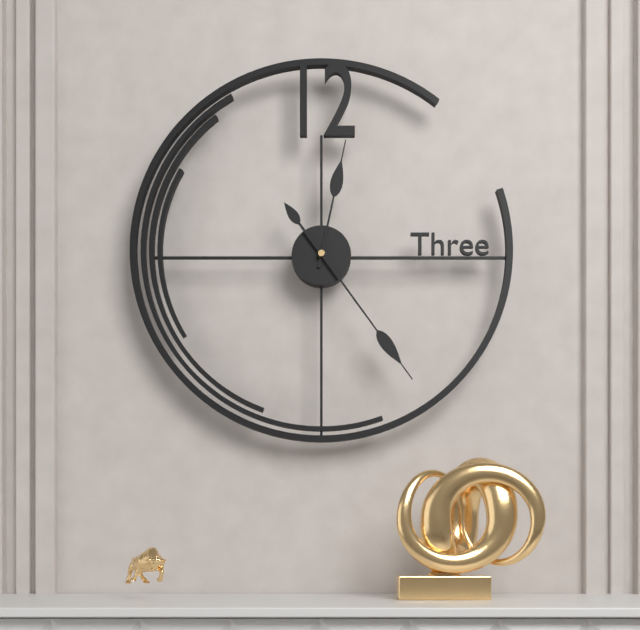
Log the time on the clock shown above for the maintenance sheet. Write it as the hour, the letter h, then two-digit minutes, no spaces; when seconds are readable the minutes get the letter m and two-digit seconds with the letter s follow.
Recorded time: 12h24
